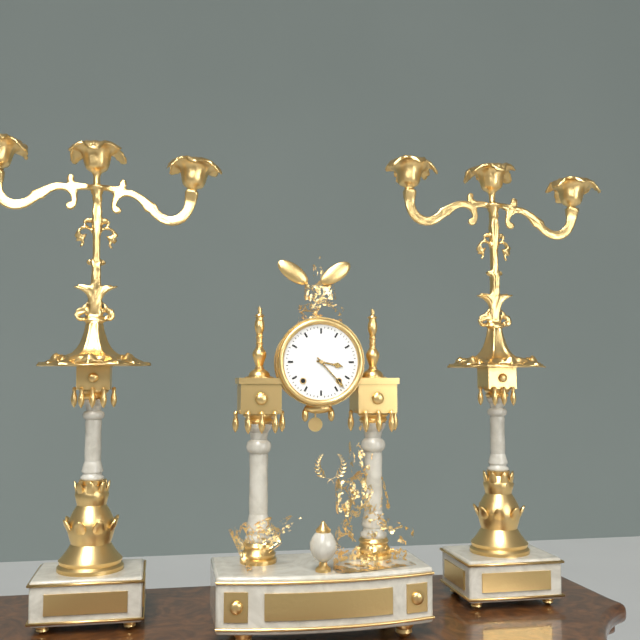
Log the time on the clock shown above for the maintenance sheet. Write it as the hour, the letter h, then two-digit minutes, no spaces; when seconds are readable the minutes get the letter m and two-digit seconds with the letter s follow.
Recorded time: 3h23
